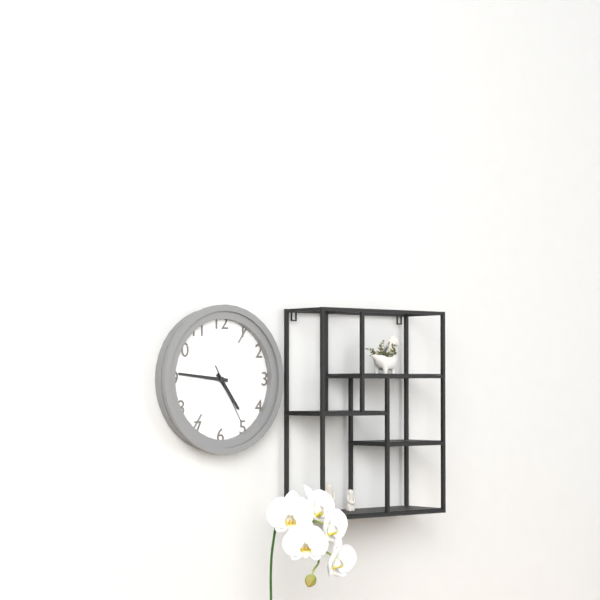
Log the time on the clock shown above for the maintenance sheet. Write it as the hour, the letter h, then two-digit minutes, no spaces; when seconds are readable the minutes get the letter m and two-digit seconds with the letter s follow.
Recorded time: 4h46m25s
